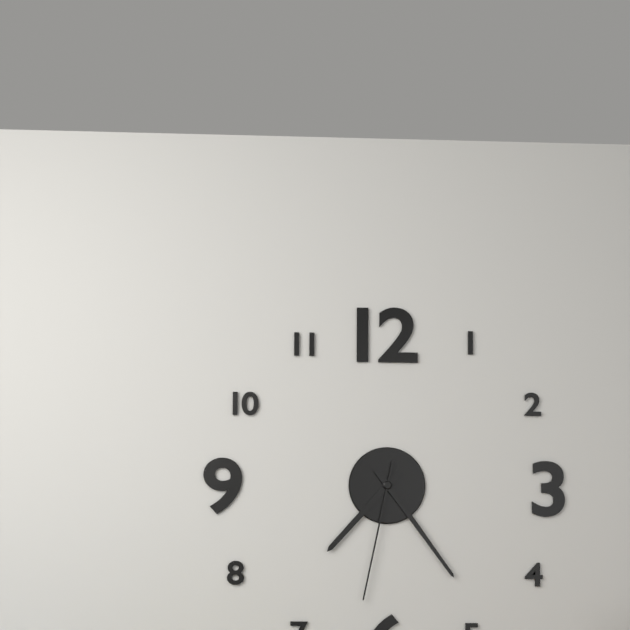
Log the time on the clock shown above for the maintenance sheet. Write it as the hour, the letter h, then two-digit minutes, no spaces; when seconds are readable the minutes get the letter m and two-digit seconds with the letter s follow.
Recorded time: 7h24m32s
